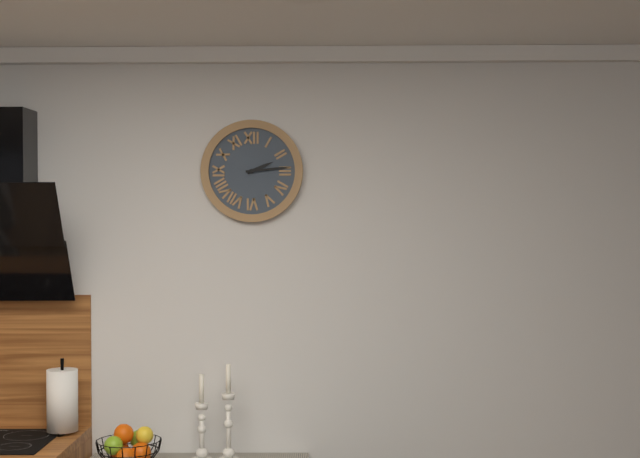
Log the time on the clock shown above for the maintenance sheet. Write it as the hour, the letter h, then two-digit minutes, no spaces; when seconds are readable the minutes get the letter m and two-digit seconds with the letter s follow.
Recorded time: 2h14
